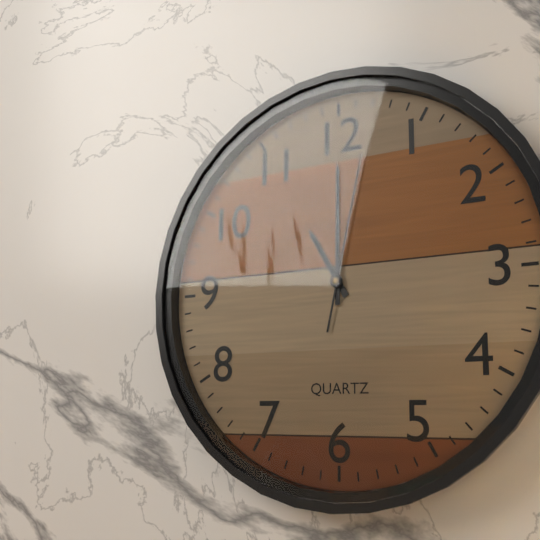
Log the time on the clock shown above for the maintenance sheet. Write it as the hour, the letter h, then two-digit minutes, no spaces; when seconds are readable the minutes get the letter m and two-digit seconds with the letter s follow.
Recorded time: 11h00m02s
